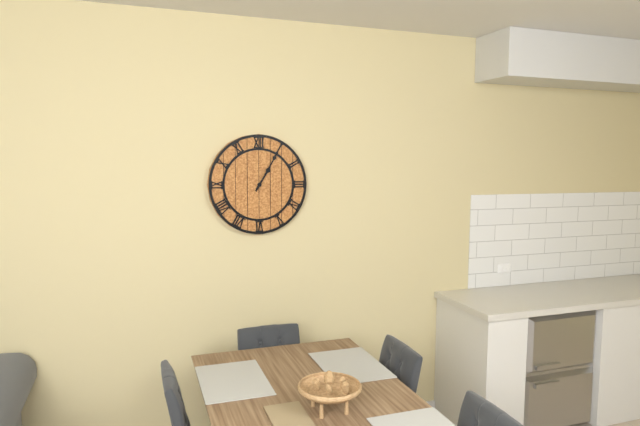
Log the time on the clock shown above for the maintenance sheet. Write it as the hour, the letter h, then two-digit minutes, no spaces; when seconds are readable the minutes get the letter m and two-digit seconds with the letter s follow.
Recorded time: 1h05
